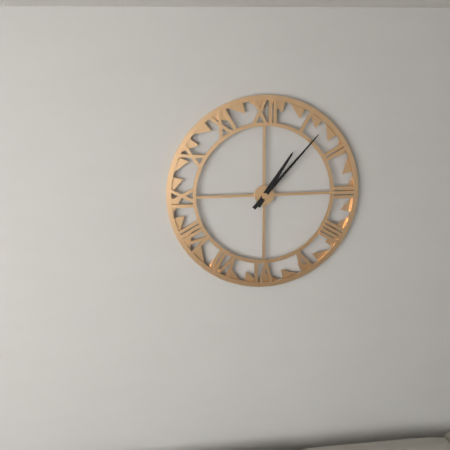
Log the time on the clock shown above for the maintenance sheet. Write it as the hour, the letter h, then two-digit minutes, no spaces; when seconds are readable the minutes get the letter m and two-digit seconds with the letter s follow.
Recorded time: 1h07
